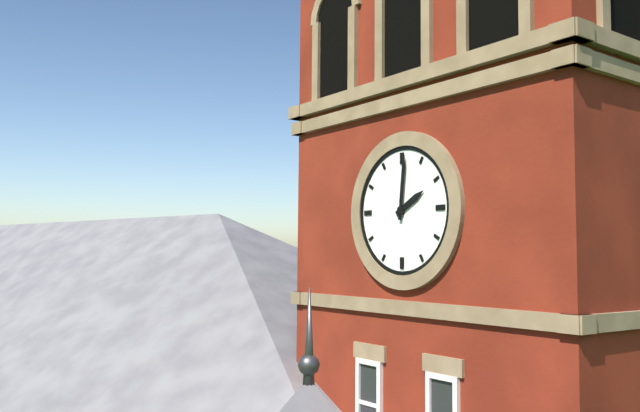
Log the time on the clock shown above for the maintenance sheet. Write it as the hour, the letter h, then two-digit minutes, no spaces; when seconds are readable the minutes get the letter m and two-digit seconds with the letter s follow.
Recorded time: 2h01
